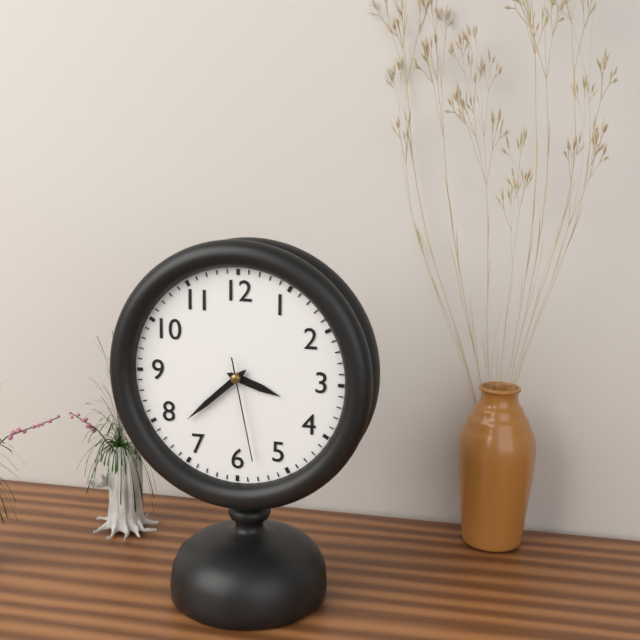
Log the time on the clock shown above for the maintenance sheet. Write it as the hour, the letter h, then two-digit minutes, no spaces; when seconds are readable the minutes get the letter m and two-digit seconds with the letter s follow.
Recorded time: 3h38m28s
